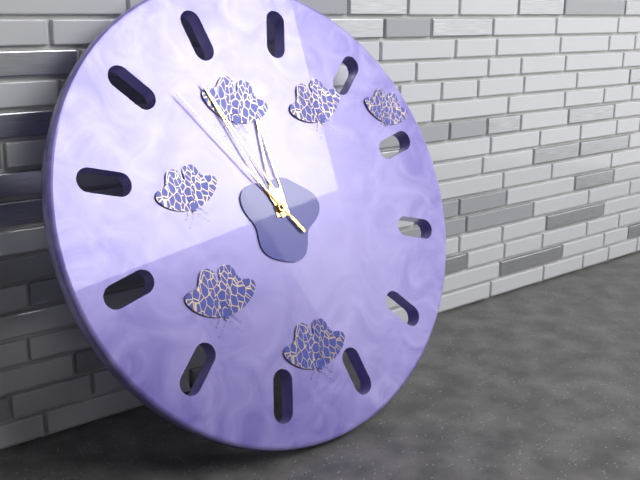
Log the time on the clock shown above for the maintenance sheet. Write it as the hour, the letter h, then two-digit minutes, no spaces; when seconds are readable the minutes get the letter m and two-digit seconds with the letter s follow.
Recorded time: 11h56m54s
